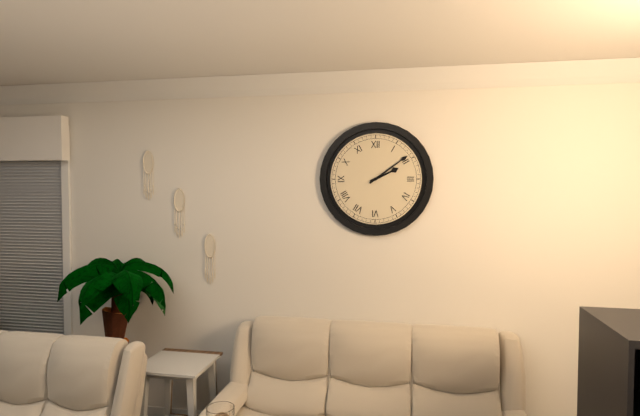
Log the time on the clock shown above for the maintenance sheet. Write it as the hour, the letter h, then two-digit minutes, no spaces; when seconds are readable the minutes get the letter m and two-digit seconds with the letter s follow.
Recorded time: 2h09
